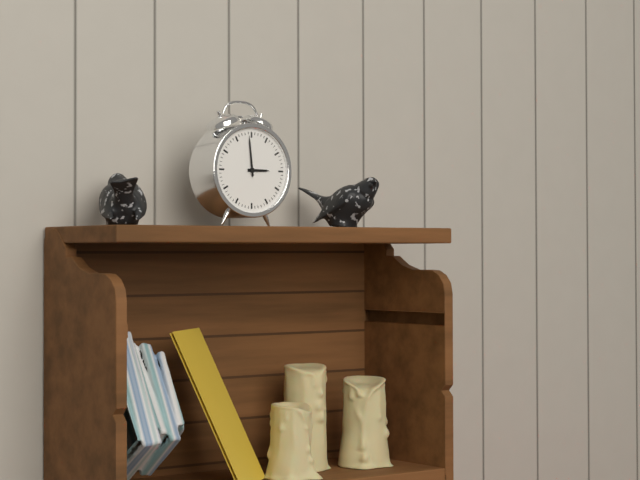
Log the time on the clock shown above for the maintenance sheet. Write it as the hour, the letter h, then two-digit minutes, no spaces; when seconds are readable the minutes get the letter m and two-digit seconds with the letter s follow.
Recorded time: 2h59
